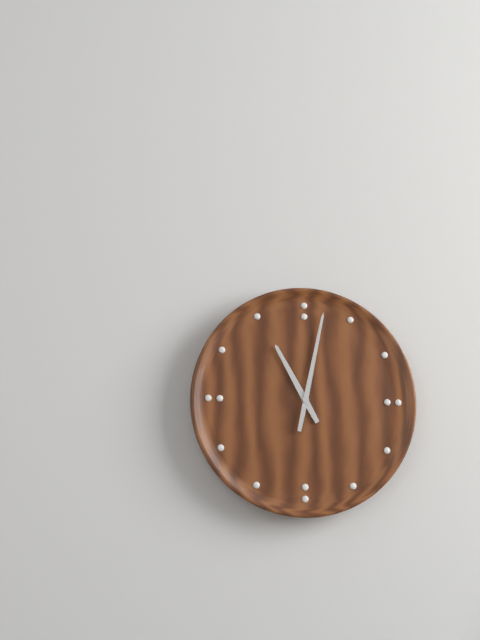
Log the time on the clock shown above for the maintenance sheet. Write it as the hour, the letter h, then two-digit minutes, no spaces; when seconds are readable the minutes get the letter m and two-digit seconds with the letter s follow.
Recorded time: 11h02
